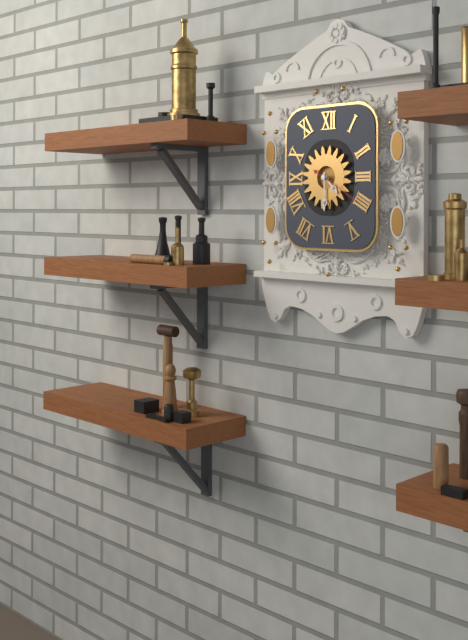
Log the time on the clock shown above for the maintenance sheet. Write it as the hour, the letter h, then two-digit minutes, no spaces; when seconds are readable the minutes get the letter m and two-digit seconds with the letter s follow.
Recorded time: 4h30m20s
